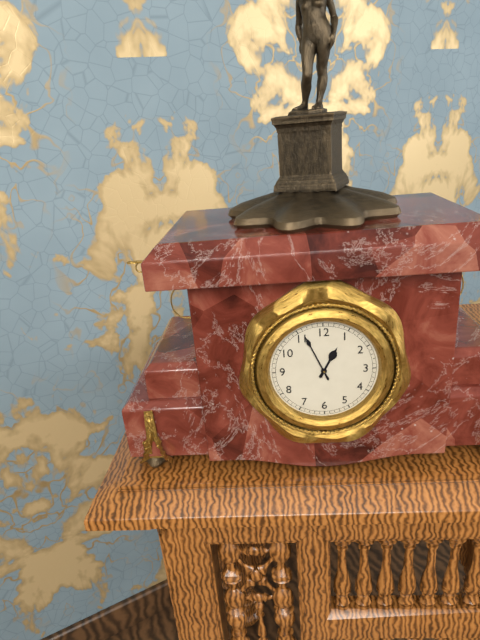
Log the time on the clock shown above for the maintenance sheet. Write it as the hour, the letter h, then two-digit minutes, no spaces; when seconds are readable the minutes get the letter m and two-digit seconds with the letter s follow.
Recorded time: 12h56
